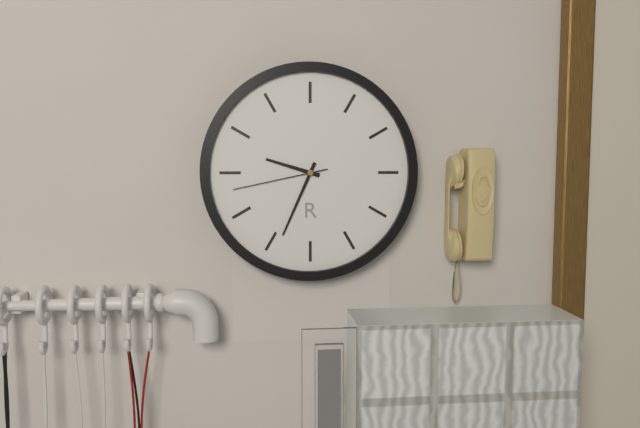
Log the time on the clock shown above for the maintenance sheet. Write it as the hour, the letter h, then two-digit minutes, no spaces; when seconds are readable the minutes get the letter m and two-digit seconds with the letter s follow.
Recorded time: 9h34m43s
